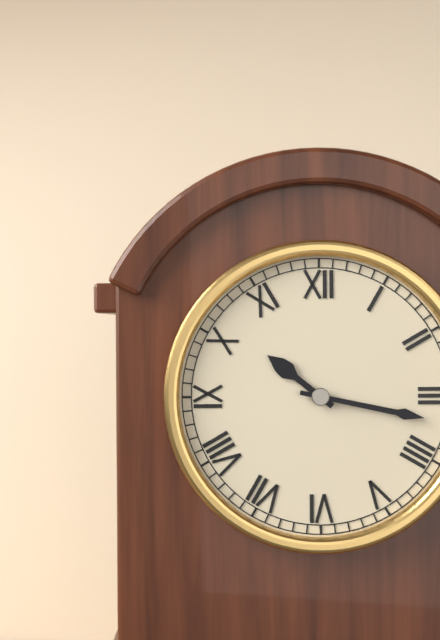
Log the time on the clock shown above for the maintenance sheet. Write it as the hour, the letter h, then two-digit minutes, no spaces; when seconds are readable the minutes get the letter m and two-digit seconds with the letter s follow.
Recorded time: 10h17
